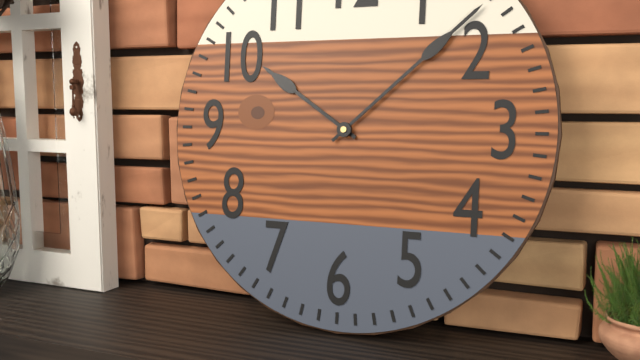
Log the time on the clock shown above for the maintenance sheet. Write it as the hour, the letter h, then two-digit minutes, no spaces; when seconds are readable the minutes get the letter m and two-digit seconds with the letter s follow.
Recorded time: 10h08
